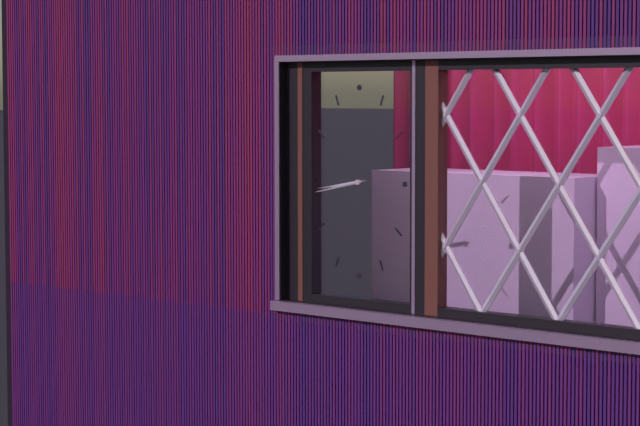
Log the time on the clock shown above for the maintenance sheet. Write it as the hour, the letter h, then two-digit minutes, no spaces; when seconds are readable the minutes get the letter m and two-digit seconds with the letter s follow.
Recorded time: 8h43
